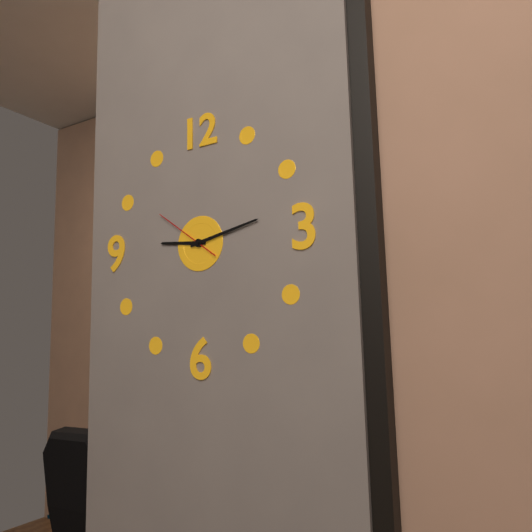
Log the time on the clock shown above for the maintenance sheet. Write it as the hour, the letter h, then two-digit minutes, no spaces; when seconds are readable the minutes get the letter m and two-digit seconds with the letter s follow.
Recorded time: 9h13m51s
